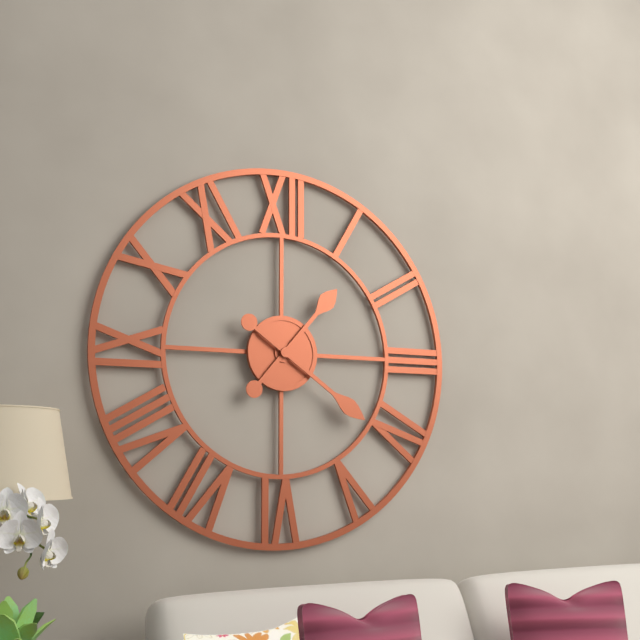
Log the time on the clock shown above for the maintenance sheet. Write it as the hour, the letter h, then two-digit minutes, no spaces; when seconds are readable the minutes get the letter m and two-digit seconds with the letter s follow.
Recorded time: 1h21
